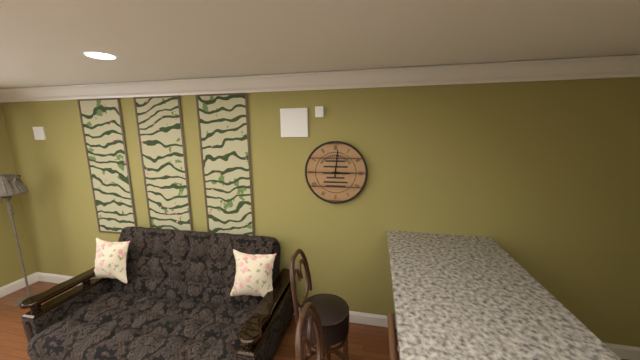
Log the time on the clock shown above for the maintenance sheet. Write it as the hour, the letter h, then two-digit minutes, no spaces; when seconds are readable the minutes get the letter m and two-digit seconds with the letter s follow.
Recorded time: 3h01
